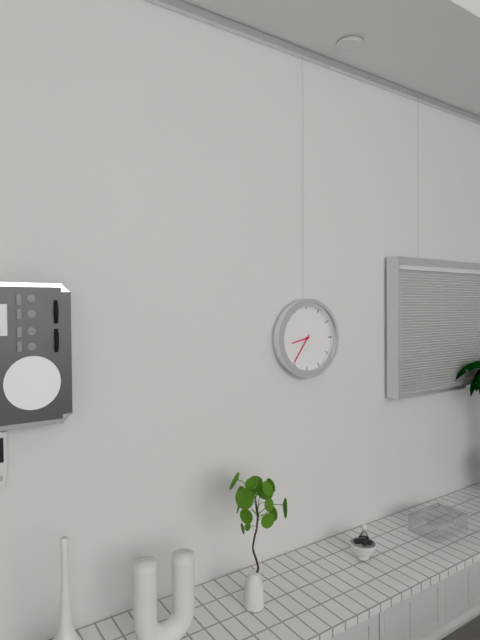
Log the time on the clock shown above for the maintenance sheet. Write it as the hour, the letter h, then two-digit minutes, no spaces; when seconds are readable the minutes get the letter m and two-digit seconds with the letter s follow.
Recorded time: 8h36
